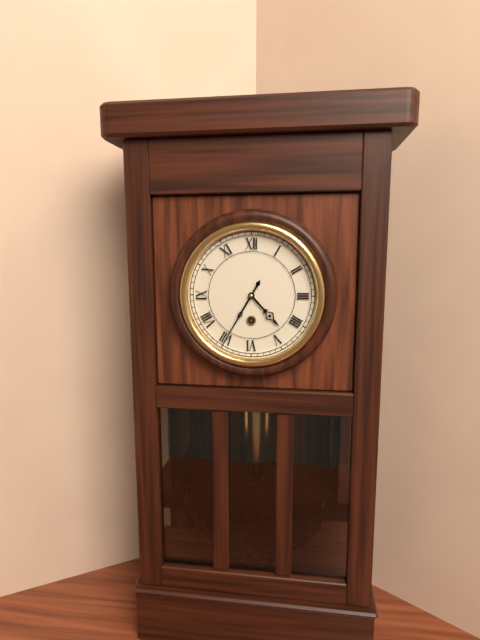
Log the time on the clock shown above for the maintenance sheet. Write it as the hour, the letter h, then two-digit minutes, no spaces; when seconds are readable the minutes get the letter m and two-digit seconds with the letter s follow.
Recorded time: 4h35
